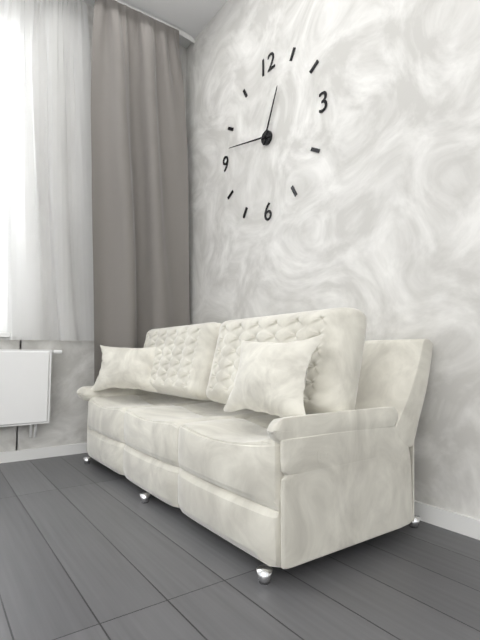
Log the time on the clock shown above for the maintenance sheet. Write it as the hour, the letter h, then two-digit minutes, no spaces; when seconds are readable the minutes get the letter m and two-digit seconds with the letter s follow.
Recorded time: 12h47
